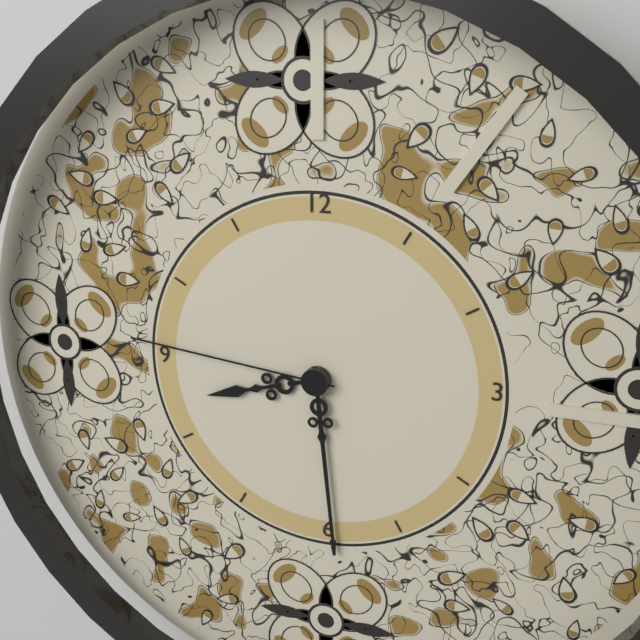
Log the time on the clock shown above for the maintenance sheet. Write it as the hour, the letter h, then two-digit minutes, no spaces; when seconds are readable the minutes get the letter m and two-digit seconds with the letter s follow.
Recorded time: 8h29m46s
